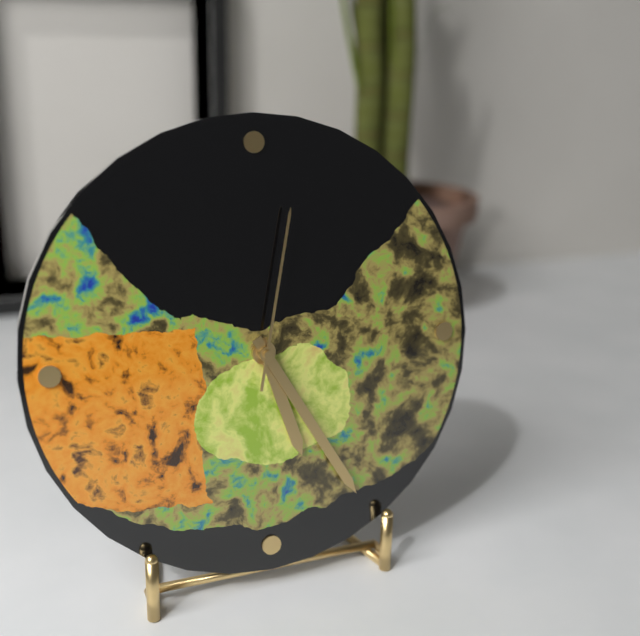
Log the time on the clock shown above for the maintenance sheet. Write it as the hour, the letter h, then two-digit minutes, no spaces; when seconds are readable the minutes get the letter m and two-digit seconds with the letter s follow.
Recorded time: 5h25m02s
